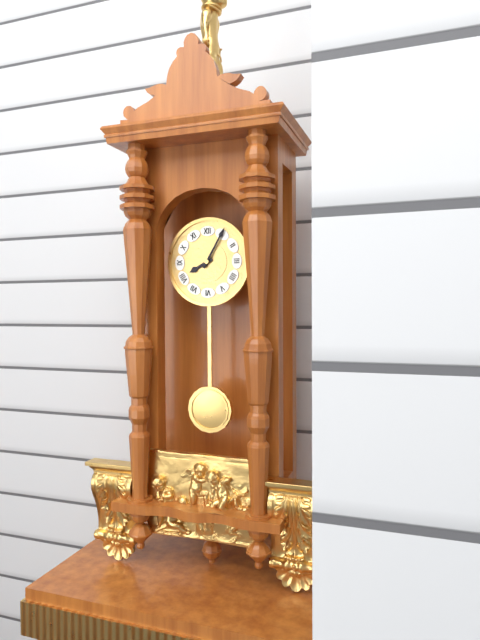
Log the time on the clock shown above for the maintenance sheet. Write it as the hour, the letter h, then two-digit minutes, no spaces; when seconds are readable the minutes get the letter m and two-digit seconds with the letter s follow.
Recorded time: 8h05
